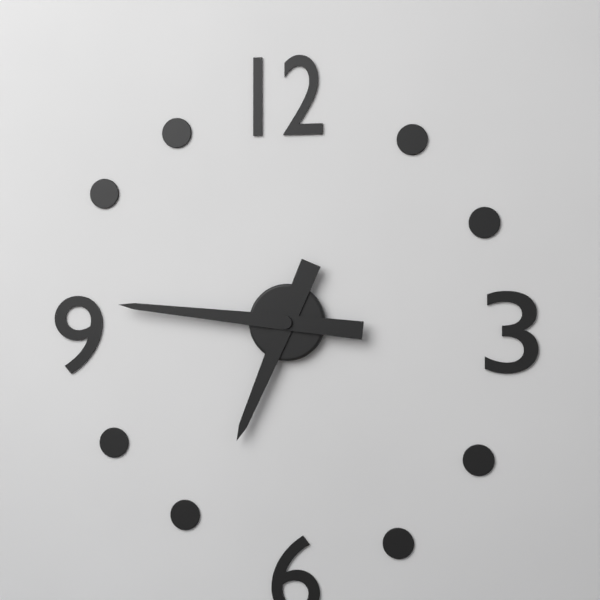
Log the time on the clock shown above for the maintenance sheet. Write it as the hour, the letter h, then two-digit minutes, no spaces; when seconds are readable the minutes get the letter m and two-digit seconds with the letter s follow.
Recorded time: 6h46
